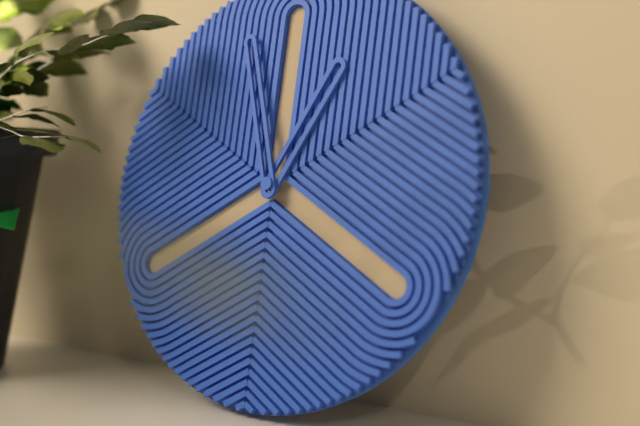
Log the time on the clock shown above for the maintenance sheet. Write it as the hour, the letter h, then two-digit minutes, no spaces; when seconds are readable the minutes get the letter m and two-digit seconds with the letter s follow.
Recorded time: 12h57
